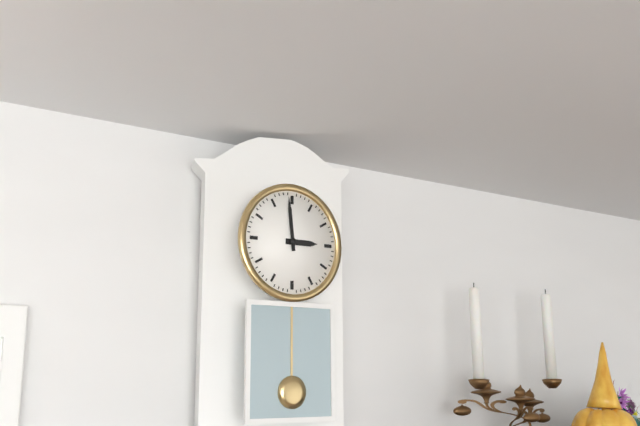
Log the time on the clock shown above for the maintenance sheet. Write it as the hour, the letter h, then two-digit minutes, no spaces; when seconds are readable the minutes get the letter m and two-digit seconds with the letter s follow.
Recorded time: 2h59
